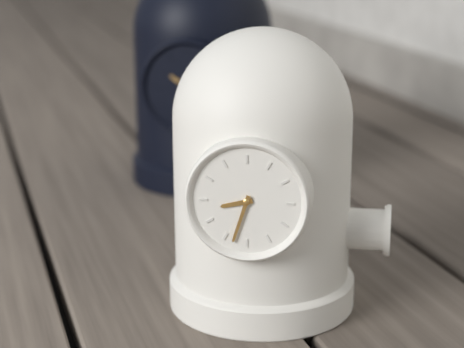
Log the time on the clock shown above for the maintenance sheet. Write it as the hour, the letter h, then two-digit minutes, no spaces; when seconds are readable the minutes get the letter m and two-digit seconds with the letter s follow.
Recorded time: 8h33
